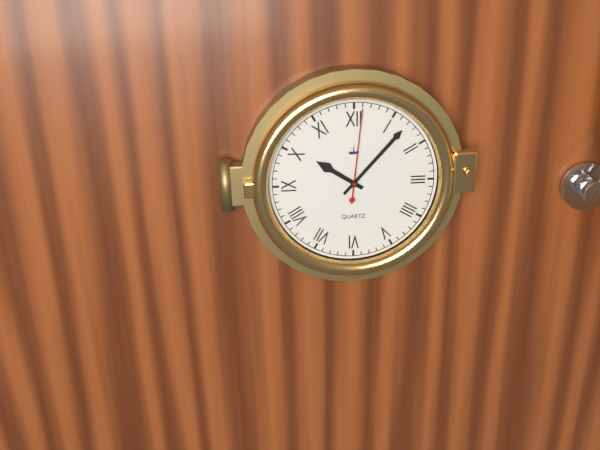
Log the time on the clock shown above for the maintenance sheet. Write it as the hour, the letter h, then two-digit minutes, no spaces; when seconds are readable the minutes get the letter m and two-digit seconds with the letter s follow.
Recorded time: 10h07m01s
